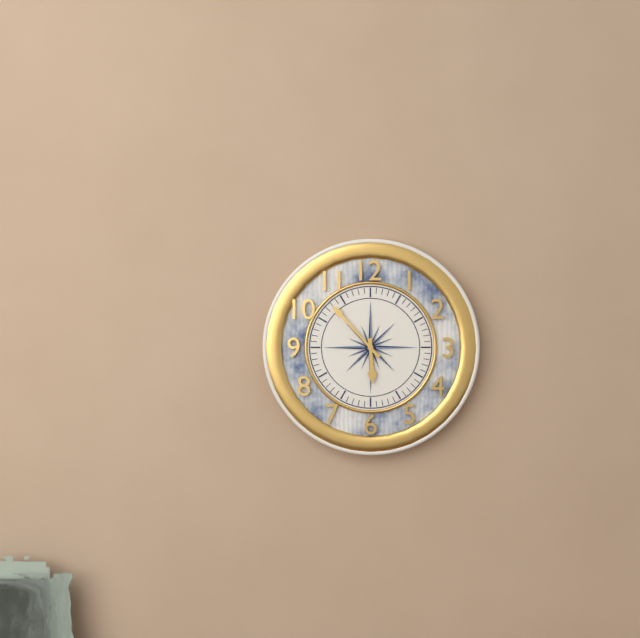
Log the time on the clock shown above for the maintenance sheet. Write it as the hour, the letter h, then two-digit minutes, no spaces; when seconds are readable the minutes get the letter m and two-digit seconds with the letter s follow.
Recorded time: 5h53
